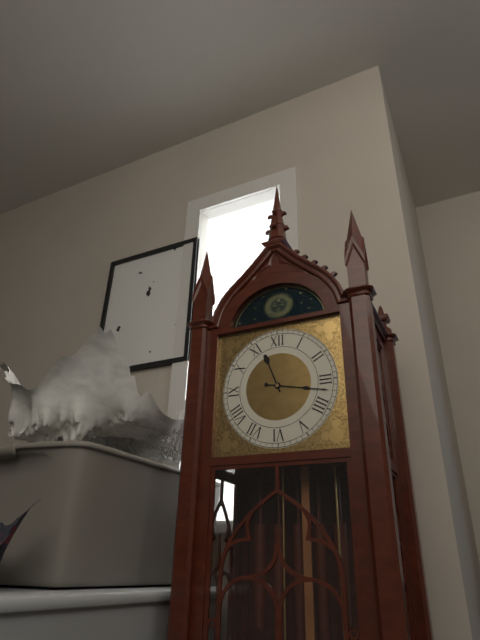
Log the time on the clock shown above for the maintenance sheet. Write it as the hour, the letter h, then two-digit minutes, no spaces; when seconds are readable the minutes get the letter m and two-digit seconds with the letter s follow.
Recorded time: 11h17
